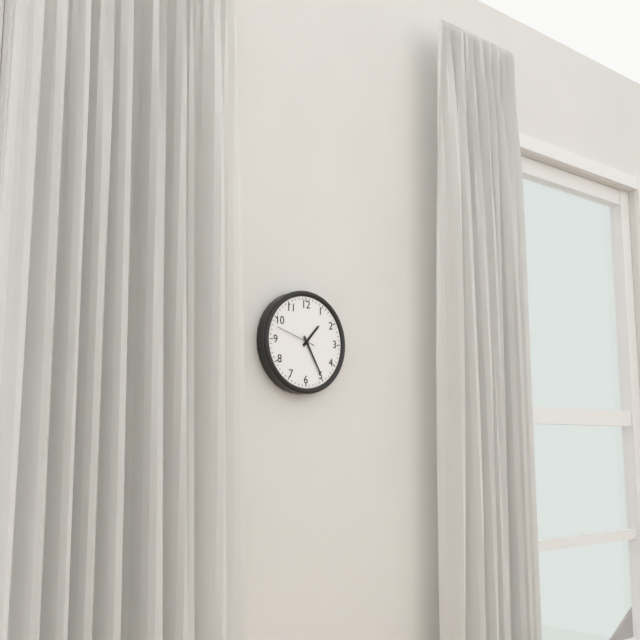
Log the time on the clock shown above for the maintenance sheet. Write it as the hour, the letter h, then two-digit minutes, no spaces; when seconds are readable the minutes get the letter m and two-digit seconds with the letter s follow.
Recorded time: 1h25
